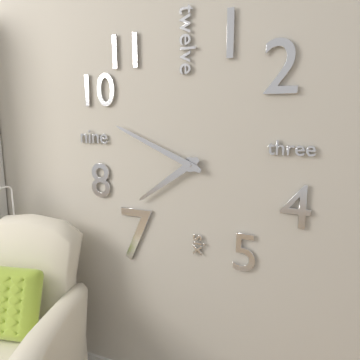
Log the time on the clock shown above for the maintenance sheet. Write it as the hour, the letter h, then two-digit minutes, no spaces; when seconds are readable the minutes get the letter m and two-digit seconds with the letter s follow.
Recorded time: 7h49
